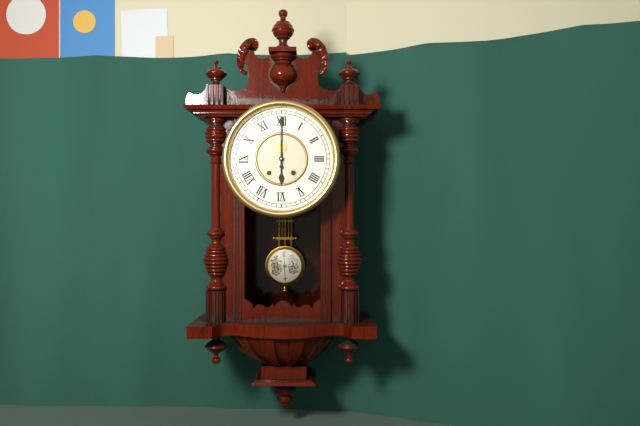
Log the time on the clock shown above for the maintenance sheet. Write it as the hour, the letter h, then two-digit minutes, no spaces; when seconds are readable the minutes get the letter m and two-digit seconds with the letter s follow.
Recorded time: 6h00
